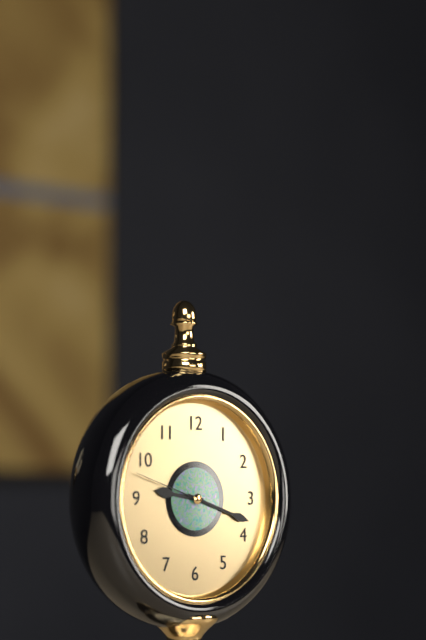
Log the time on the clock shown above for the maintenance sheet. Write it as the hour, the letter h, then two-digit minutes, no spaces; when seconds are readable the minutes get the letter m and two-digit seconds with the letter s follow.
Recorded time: 9h18m48s
